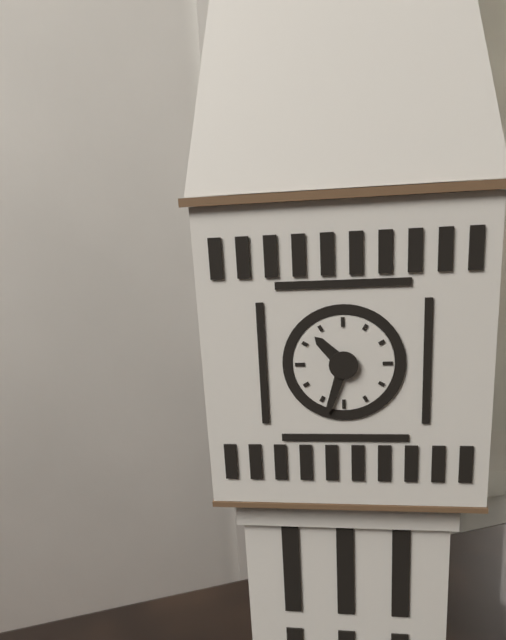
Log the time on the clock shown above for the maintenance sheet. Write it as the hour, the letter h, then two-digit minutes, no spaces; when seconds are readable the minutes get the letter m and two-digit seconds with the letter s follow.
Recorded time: 10h33
